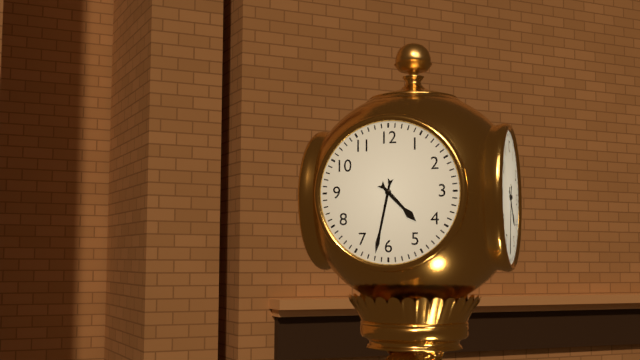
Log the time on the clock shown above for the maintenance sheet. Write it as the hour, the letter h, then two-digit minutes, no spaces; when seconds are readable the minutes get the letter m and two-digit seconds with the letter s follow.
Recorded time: 4h32
